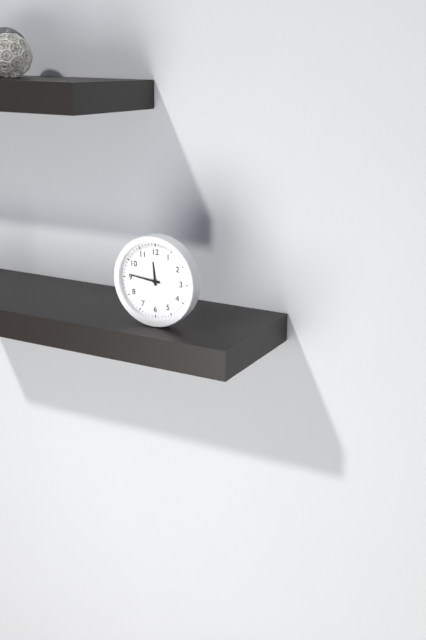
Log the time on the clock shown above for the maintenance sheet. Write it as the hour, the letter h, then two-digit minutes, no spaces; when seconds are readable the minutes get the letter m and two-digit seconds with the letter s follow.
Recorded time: 11h46
